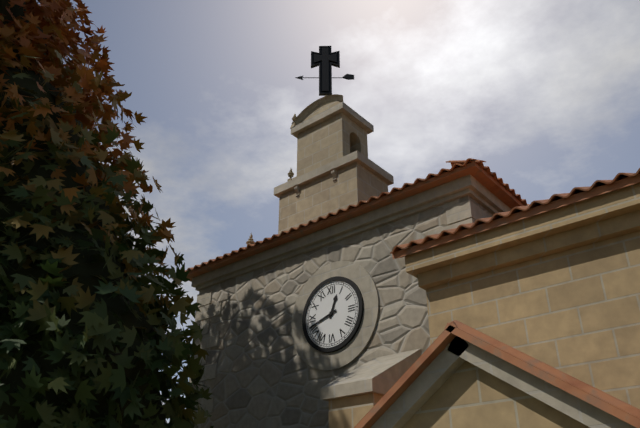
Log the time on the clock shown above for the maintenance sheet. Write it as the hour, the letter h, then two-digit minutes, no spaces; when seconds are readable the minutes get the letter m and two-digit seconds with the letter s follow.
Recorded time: 12h42
